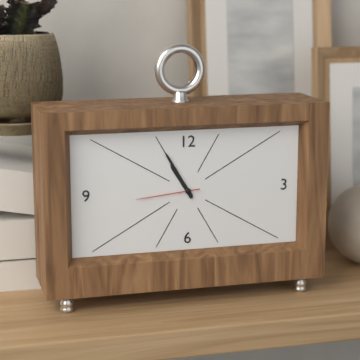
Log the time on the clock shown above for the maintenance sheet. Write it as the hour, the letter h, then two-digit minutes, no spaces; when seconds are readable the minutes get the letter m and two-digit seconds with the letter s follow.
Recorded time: 10h55m44s
